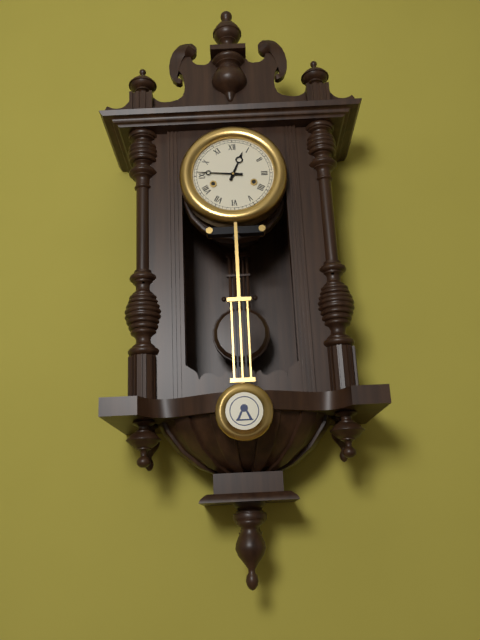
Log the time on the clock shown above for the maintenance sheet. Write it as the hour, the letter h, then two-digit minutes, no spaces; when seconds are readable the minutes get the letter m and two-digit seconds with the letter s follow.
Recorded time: 12h46
